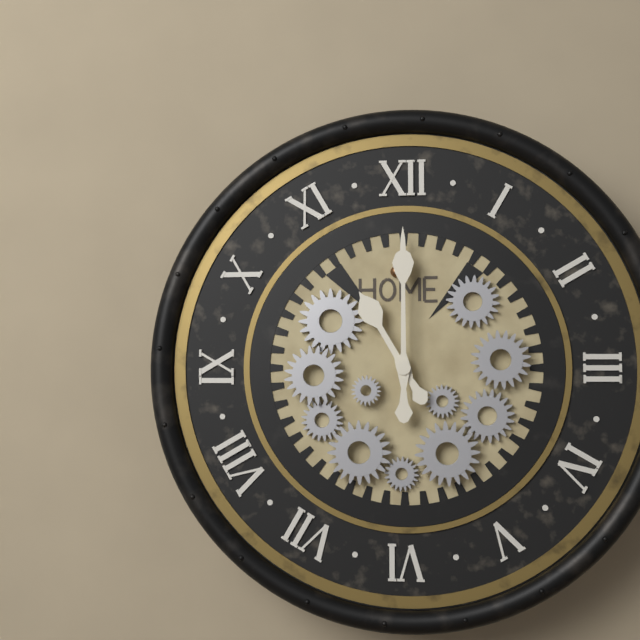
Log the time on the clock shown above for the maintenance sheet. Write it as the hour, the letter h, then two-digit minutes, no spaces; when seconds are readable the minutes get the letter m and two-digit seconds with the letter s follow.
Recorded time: 11h00
